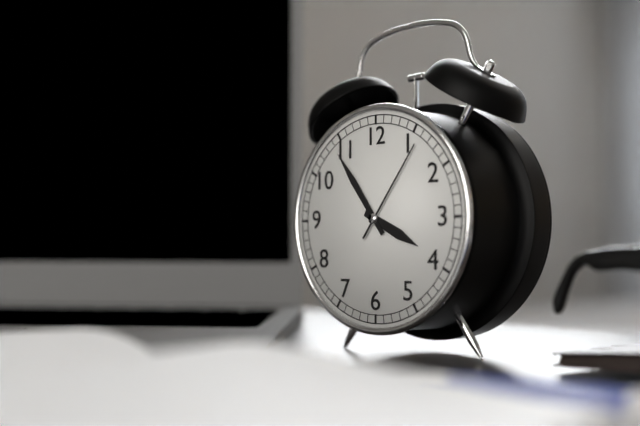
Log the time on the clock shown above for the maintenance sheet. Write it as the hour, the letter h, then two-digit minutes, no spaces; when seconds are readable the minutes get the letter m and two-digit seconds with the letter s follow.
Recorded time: 3h54m06s
